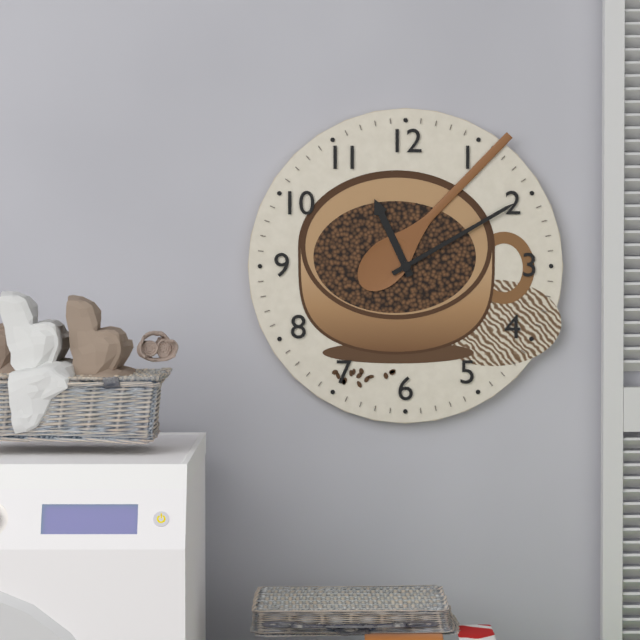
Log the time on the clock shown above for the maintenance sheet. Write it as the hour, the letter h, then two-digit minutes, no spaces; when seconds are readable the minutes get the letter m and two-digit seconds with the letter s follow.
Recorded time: 11h10
